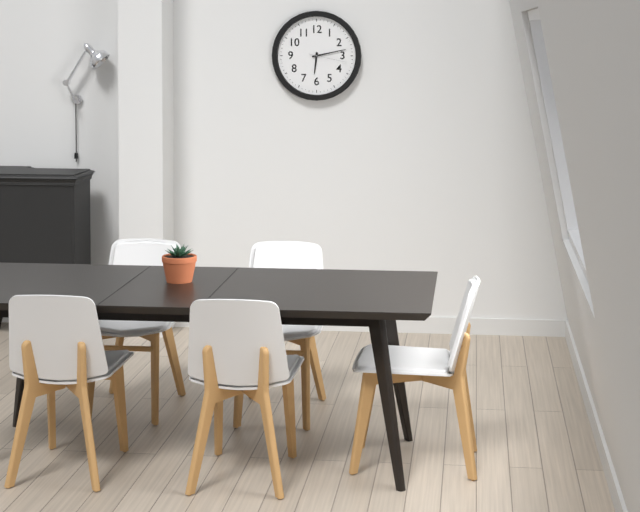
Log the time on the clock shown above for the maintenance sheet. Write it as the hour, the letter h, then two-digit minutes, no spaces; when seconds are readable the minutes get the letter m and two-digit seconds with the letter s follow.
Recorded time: 6h13
